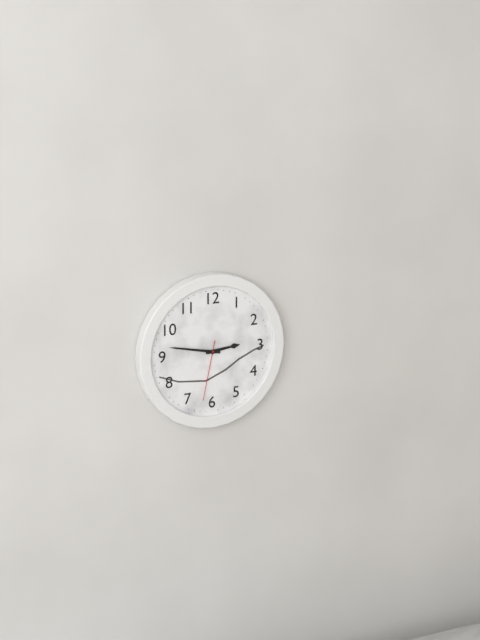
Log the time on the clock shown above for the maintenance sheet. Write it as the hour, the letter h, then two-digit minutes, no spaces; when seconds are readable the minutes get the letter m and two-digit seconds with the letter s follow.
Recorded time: 2h47m32s
